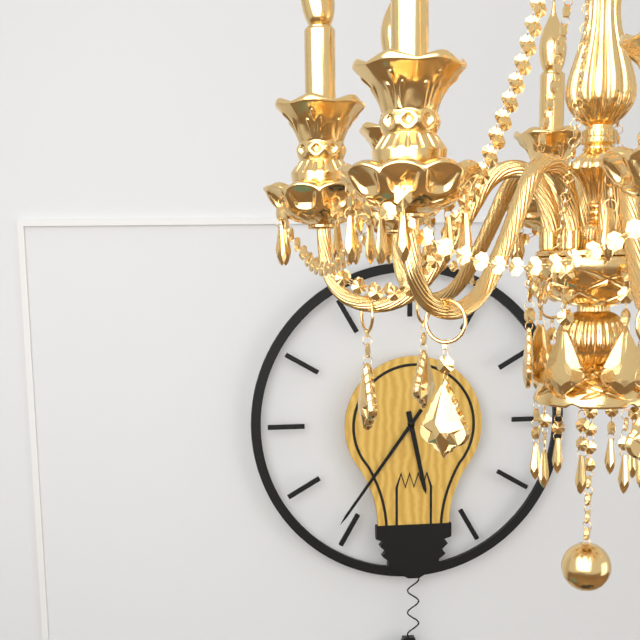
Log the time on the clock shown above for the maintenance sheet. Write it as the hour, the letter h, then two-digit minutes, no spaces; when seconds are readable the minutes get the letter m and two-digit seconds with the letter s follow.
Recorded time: 5h36
